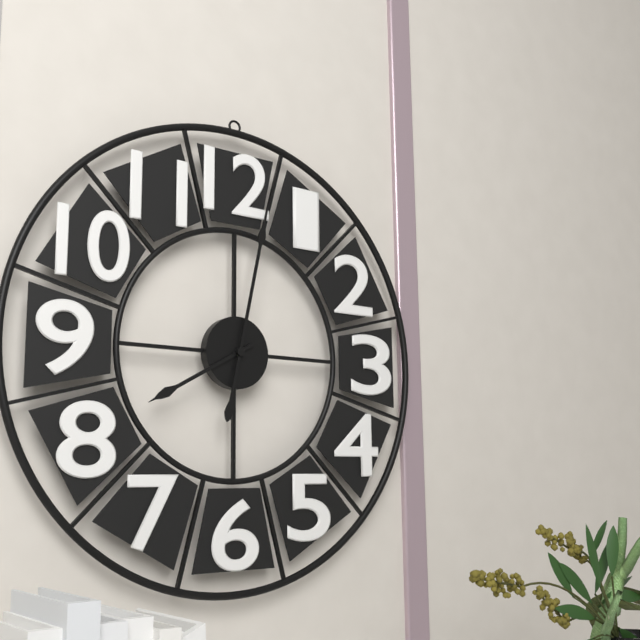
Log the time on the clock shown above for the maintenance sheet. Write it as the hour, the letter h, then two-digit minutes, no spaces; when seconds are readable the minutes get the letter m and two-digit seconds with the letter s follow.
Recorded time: 8h02
